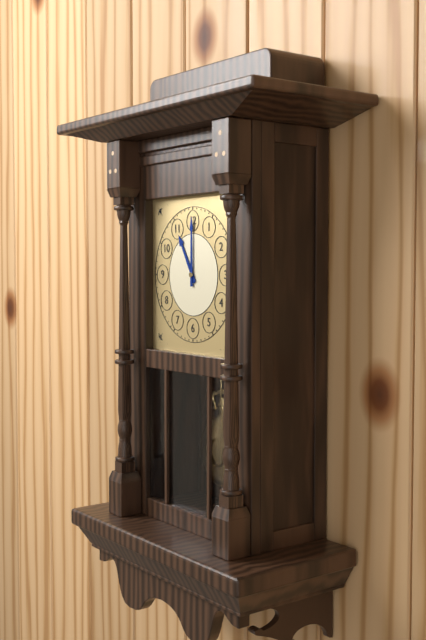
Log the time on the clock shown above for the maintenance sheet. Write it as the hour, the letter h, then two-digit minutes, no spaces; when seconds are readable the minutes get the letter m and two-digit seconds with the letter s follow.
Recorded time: 11h00
